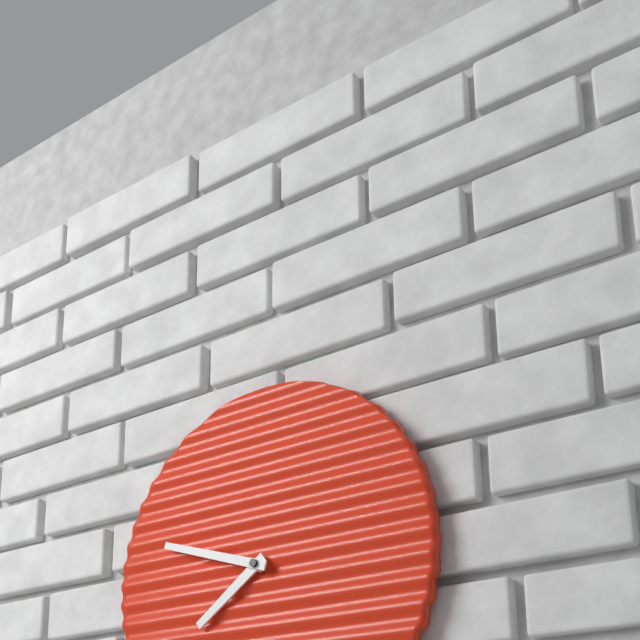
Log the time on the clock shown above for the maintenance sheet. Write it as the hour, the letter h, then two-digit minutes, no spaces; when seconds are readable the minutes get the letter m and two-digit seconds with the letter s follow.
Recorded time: 7h48
